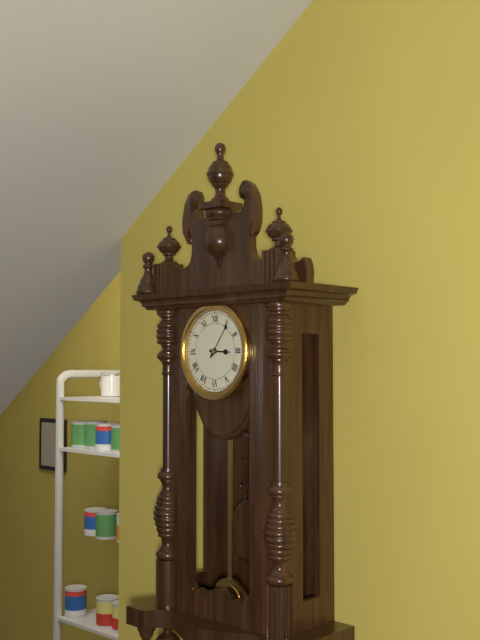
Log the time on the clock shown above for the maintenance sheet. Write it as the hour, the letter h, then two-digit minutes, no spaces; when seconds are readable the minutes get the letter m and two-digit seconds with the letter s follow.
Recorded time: 3h06
